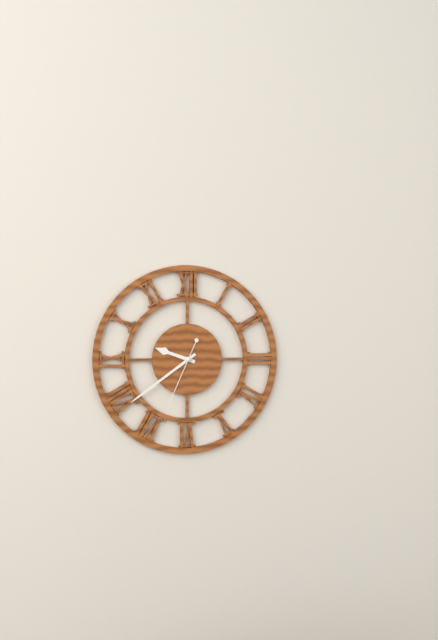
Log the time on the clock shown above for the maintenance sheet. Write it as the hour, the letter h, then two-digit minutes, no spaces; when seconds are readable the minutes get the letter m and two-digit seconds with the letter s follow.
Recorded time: 9h39m34s
